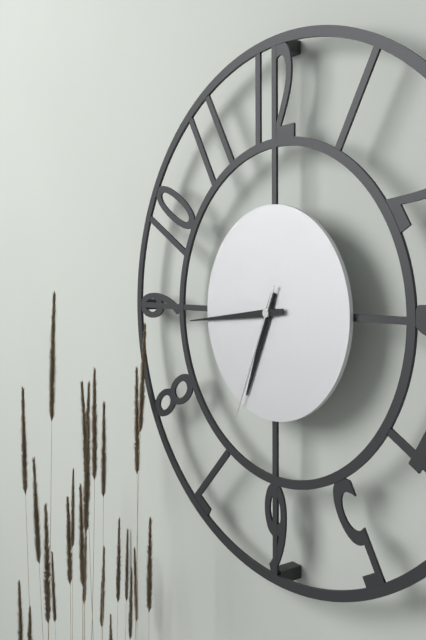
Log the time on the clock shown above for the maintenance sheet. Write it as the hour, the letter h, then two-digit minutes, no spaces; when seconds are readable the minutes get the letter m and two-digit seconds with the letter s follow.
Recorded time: 6h44m34s
